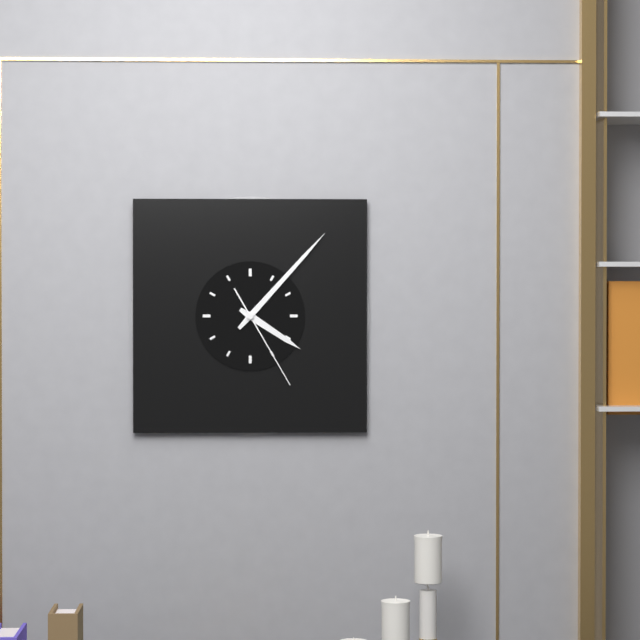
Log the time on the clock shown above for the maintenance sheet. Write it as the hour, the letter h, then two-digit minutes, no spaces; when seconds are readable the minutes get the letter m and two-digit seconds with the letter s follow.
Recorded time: 4h07m25s
